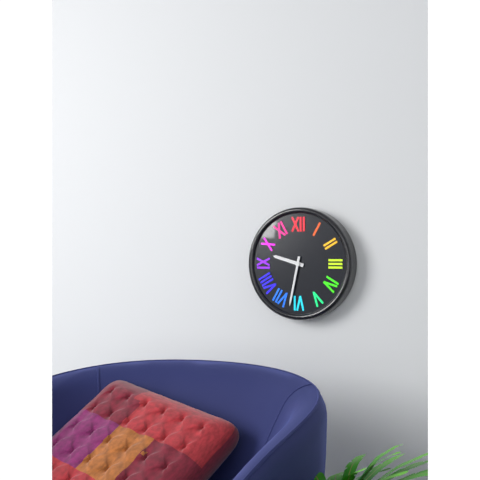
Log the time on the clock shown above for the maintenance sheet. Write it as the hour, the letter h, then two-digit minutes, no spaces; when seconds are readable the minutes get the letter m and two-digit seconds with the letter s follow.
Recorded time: 9h32
